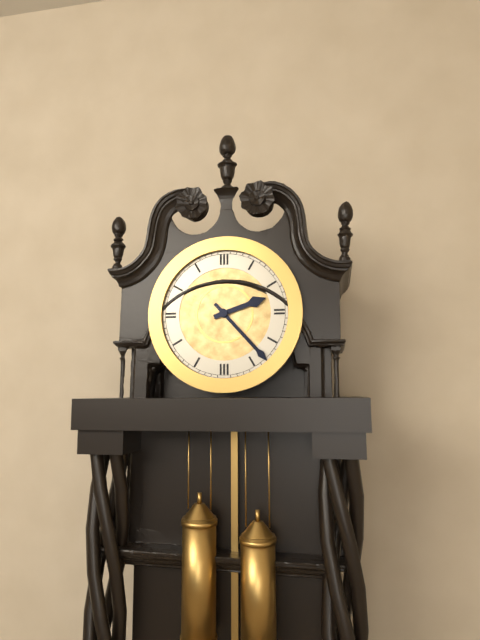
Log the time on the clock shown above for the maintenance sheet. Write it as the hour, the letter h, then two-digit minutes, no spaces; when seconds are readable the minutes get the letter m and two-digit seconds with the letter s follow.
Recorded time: 2h23
